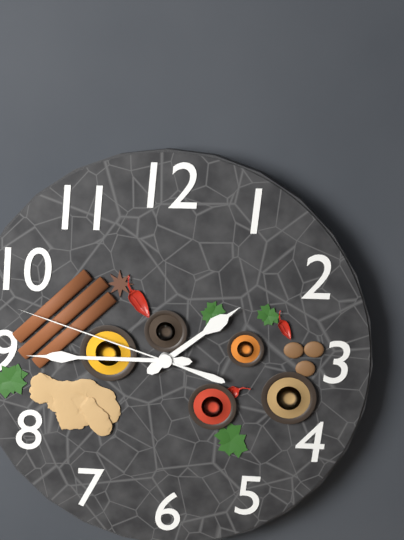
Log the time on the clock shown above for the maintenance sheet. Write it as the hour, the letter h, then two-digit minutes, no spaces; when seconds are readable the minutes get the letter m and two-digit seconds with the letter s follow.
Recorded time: 1h45m48s
